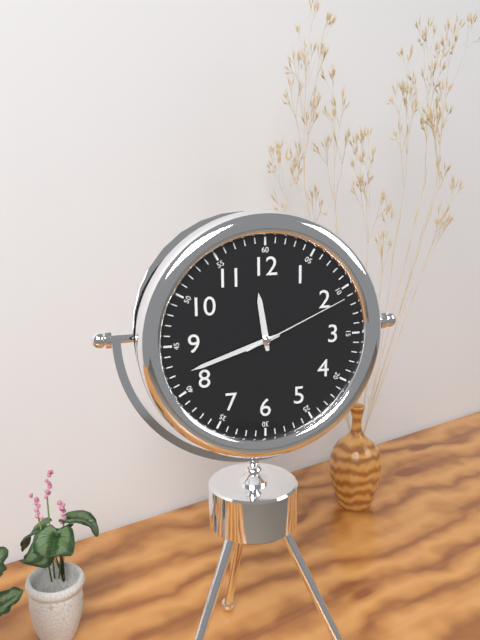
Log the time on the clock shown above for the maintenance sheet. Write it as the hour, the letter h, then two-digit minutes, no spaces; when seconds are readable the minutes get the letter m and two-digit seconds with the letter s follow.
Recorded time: 11h42m11s
